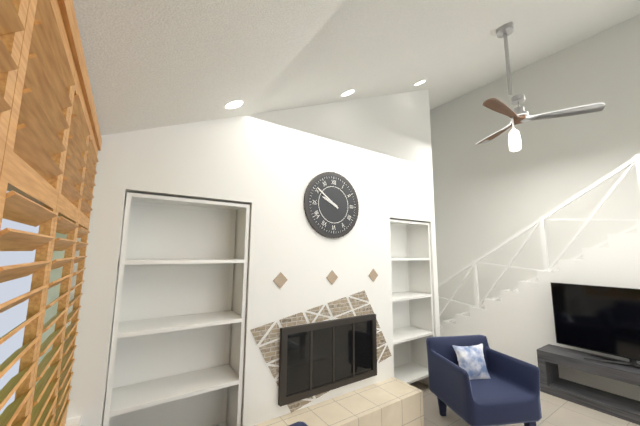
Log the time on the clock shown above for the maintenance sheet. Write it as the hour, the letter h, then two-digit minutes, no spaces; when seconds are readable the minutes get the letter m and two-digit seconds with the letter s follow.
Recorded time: 9h51
